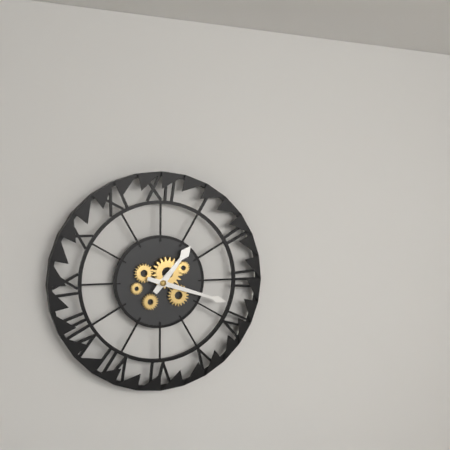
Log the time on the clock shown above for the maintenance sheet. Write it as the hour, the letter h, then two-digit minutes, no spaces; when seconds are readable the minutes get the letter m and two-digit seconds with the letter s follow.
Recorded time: 1h18
